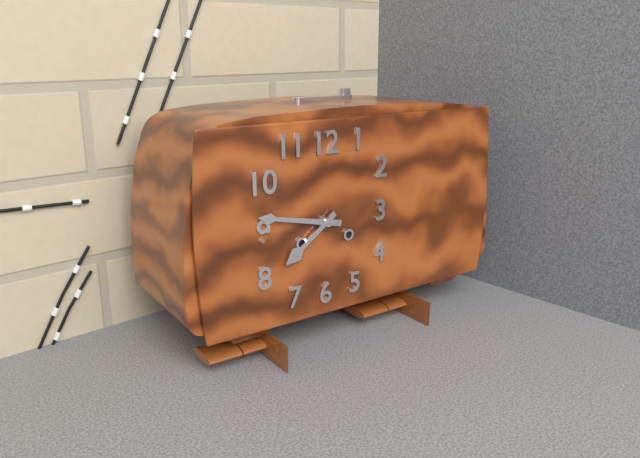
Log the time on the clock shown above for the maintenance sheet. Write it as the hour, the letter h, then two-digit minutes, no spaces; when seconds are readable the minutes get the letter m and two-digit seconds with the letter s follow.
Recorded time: 7h47
